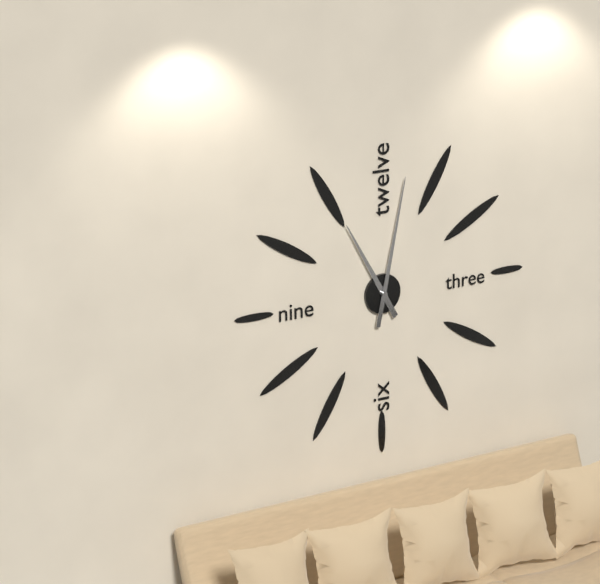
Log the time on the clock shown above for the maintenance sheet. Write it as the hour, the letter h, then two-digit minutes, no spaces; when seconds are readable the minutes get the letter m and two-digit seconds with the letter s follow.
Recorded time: 11h02
